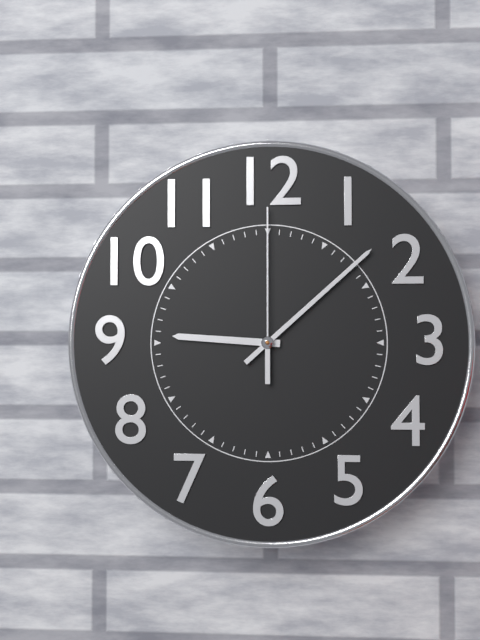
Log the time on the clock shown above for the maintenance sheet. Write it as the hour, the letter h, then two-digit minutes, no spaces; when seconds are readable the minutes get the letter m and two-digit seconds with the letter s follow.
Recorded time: 9h08m00s
